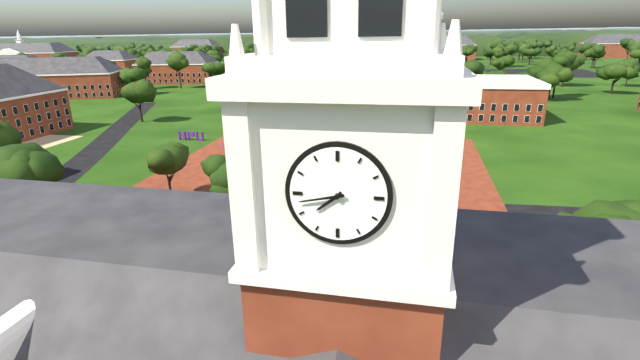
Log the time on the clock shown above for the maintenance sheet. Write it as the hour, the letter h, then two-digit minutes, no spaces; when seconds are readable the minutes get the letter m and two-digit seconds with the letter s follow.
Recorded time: 7h43
